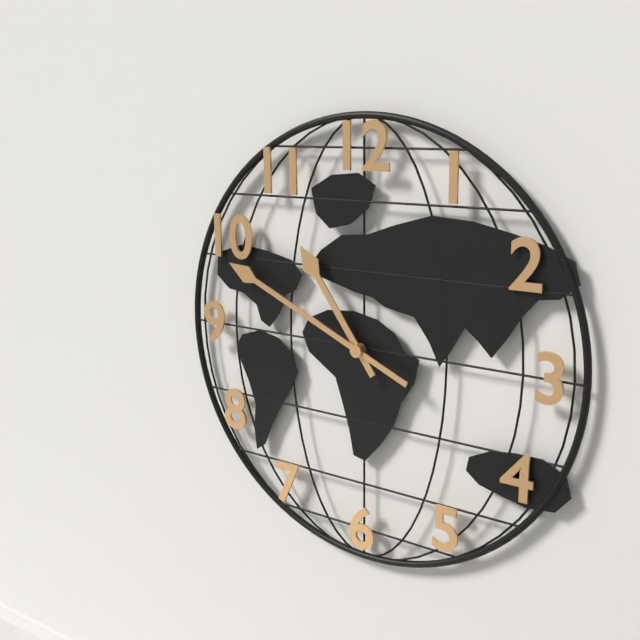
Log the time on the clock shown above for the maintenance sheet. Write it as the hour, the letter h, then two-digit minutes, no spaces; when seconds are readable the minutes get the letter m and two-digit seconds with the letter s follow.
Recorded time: 10h49
